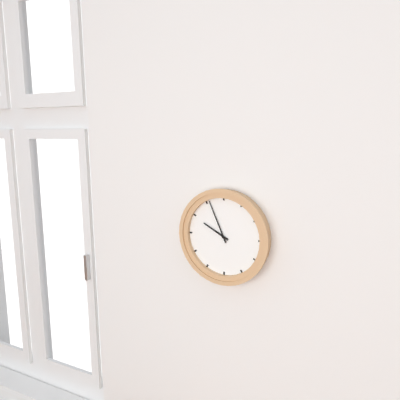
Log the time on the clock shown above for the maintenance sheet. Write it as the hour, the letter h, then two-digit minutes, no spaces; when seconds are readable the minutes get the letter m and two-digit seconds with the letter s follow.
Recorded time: 9h56
